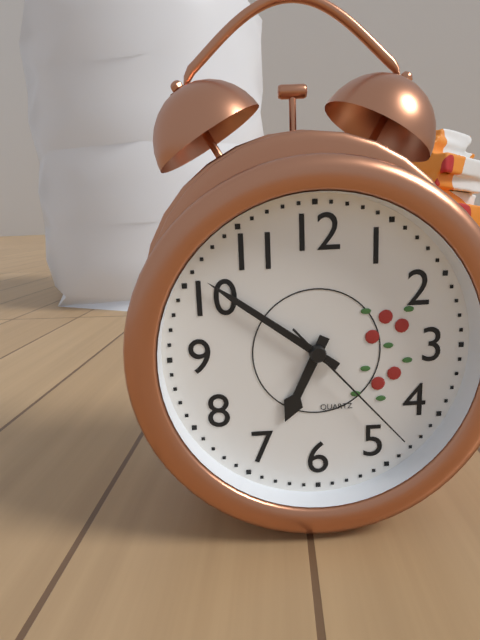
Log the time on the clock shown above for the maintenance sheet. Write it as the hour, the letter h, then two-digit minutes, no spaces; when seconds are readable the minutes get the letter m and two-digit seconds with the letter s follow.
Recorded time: 6h51m23s
